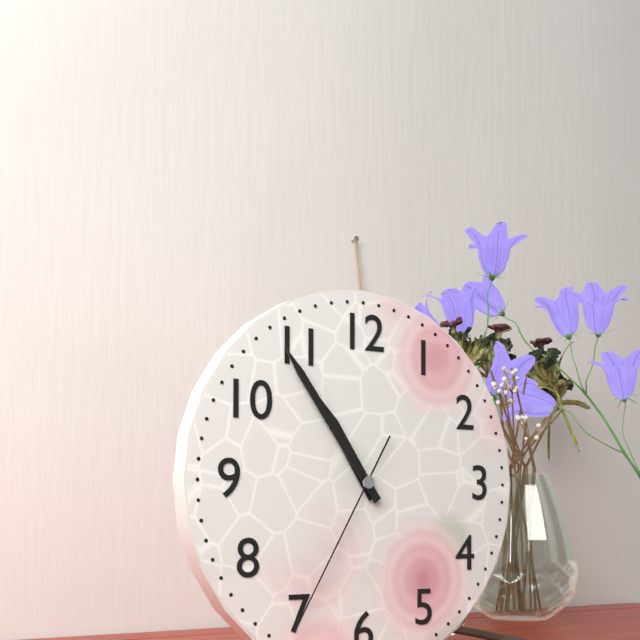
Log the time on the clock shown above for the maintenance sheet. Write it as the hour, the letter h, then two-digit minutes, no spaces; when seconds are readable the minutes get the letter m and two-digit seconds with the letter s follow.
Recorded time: 10h54m35s
